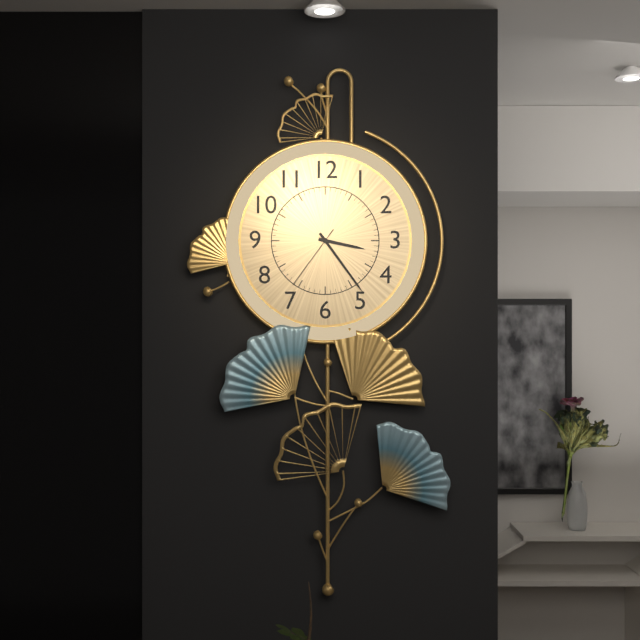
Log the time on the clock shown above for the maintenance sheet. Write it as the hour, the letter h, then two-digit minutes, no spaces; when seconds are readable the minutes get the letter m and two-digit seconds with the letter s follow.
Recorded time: 3h24m36s
